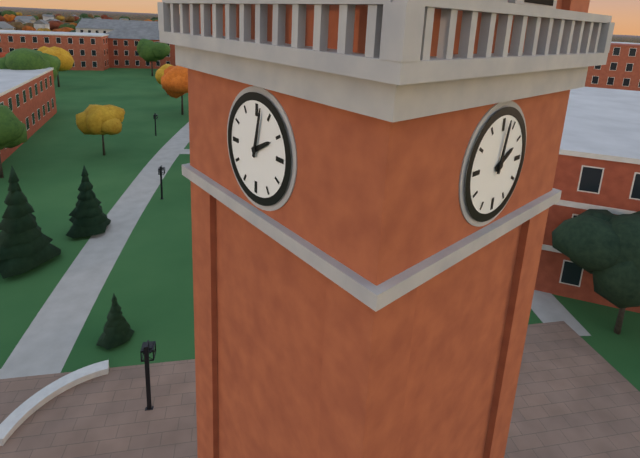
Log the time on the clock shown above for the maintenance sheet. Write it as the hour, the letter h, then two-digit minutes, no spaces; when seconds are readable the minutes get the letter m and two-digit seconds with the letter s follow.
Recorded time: 2h02
